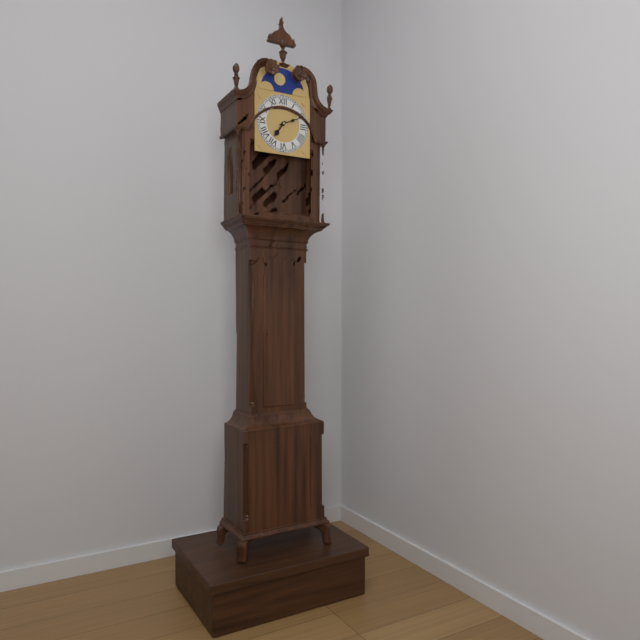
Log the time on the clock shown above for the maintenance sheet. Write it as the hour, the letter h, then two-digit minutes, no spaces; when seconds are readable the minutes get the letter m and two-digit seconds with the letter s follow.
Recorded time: 7h11
